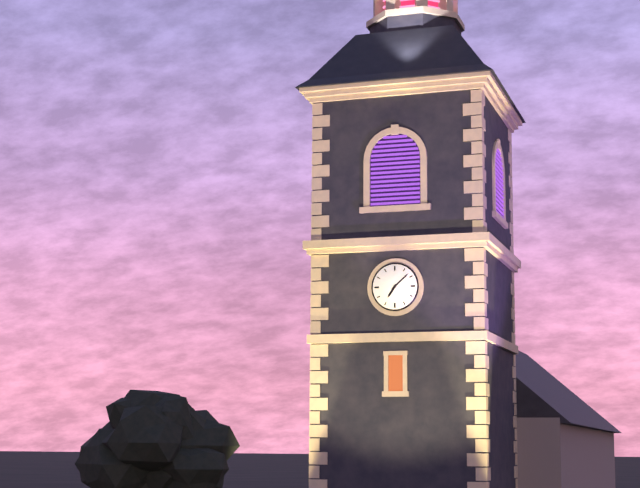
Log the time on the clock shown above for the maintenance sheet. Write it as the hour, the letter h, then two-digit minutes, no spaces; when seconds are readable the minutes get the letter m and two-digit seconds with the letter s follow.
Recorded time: 7h08
